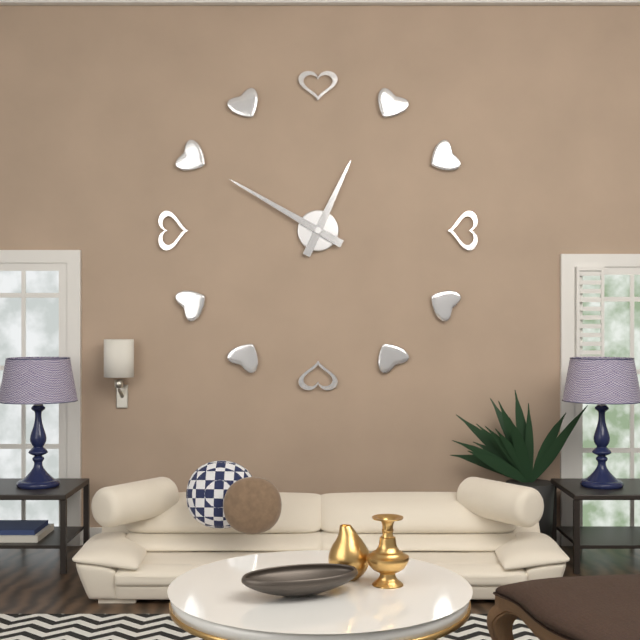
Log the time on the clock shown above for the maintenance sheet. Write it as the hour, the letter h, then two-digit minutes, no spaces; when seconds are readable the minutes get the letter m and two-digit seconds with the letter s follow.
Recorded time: 12h50
